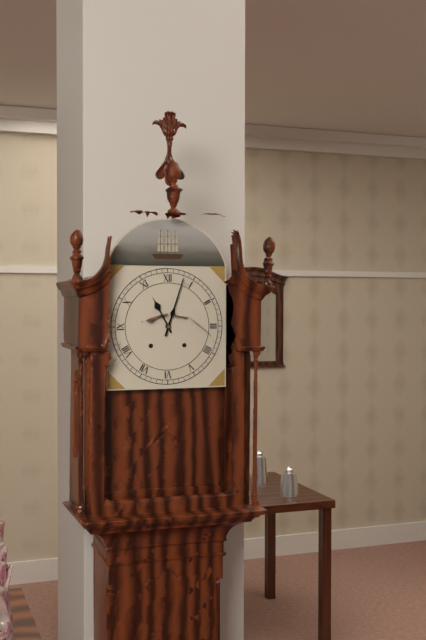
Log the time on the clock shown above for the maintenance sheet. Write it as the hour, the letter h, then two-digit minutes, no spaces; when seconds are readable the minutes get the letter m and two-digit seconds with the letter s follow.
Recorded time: 11h03
